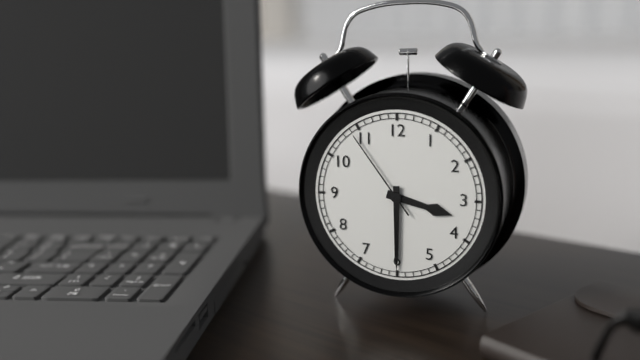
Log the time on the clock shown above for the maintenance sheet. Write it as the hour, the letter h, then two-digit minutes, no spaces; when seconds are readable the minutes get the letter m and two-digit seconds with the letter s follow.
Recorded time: 3h30m54s
